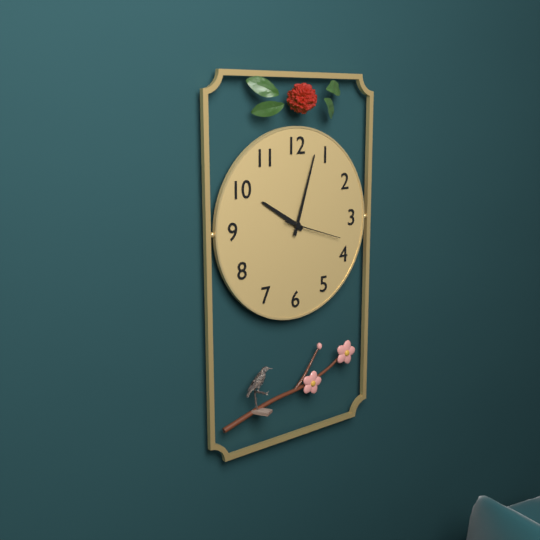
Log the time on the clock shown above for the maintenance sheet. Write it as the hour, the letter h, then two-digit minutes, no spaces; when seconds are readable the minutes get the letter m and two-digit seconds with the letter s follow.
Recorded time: 10h03m18s
